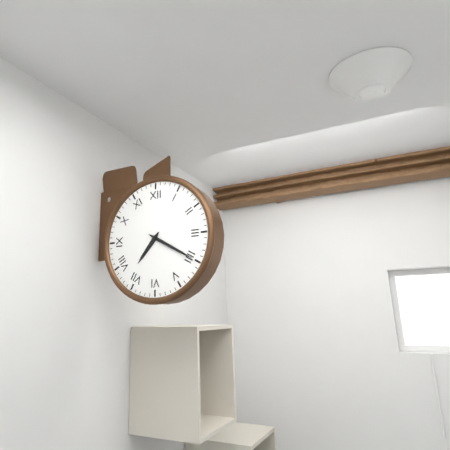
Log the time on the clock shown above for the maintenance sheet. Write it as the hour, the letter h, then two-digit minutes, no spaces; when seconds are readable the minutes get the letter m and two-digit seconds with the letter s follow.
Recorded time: 7h20
